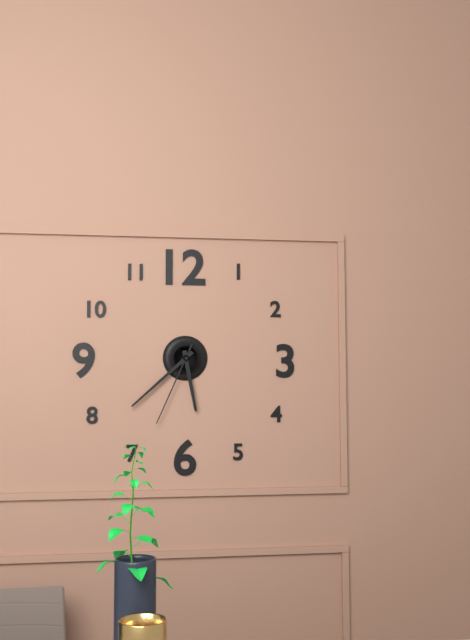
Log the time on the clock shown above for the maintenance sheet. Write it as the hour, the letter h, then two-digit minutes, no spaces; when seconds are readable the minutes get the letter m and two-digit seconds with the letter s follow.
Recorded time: 5h38m34s
